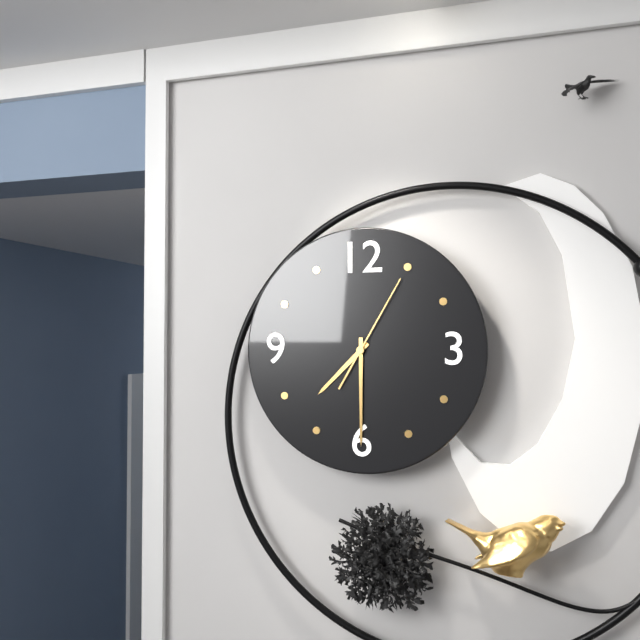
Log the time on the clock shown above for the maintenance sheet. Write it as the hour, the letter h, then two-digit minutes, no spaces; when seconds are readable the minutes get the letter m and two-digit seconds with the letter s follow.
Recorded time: 7h30m05s
